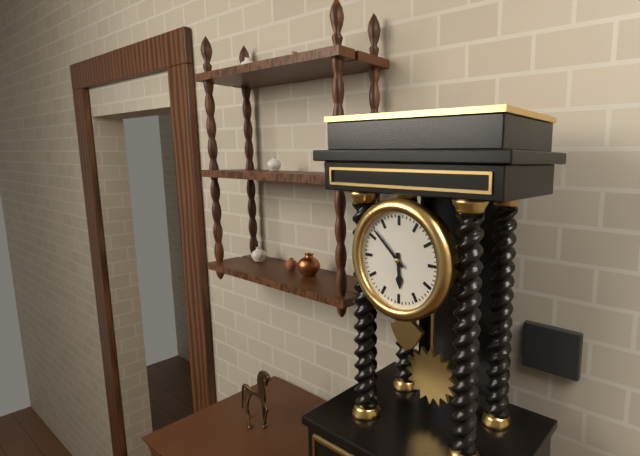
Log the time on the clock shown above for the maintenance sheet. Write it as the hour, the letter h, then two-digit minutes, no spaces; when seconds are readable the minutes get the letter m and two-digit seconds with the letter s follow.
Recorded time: 5h52
